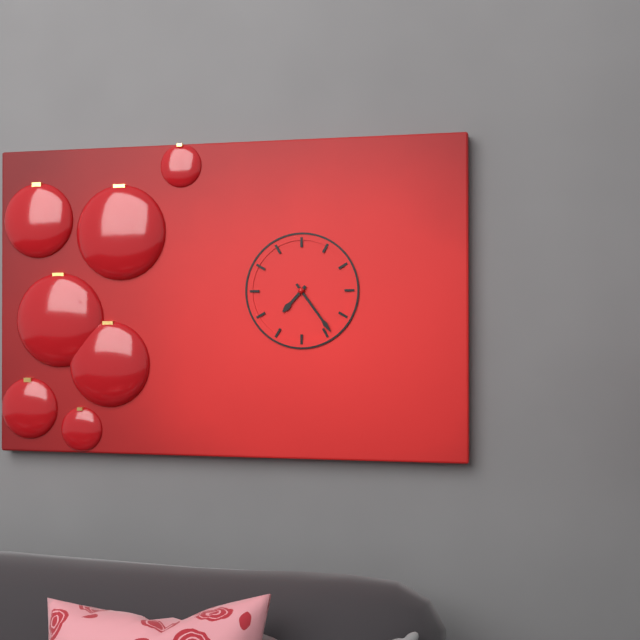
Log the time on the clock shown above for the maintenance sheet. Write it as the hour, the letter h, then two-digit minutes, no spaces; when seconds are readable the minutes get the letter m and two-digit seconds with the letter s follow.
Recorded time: 7h24
